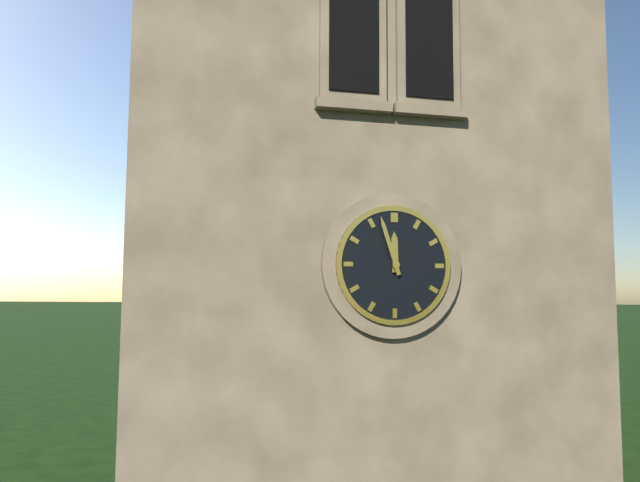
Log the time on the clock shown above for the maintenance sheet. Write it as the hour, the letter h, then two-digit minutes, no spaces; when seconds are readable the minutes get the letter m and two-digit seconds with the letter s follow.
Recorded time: 11h57
